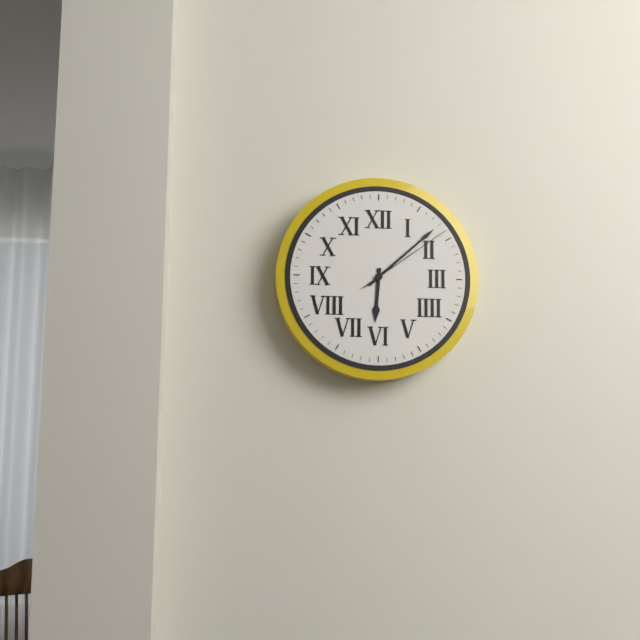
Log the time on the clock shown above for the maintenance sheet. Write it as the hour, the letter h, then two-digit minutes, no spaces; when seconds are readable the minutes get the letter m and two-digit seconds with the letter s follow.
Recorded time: 6h08m09s
